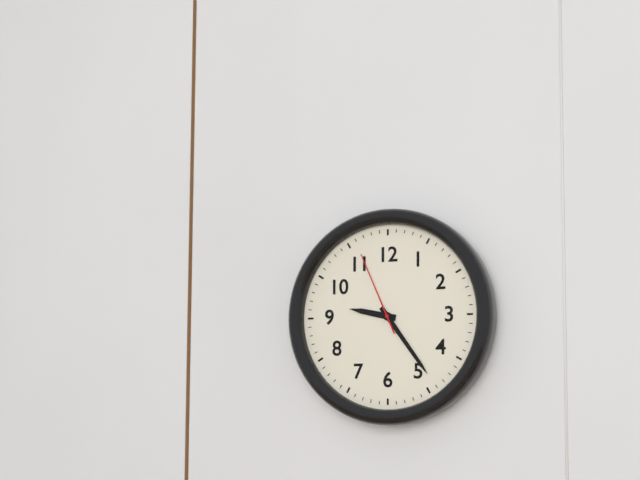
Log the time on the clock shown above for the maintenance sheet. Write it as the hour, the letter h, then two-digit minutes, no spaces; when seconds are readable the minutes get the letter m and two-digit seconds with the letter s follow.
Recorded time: 9h24m56s
